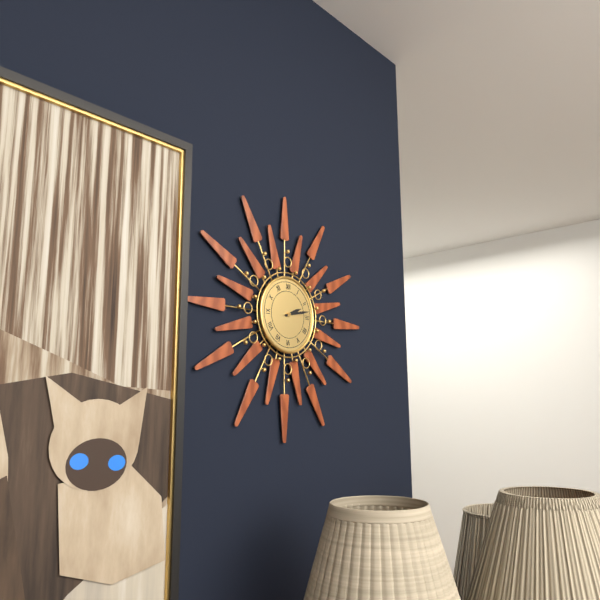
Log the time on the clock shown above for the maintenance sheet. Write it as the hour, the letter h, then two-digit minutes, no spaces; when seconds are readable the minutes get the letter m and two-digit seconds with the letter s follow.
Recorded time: 2h13
